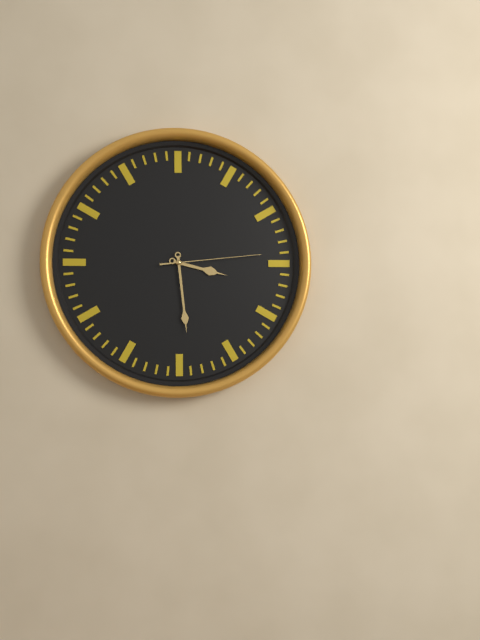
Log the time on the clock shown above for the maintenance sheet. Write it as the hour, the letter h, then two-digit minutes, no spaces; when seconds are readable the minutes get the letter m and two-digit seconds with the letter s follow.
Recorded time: 3h29m14s
